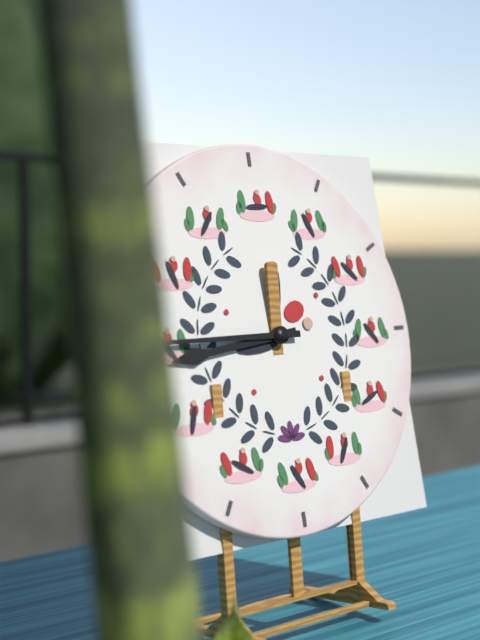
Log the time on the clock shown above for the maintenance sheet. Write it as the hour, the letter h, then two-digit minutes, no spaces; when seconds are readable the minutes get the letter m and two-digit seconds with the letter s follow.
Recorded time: 8h45
